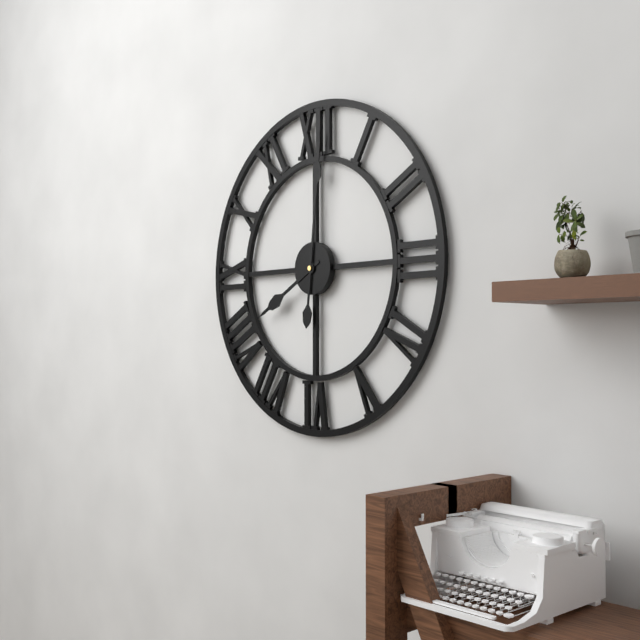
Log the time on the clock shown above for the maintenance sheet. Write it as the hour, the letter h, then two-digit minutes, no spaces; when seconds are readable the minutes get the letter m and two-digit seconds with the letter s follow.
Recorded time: 8h01
